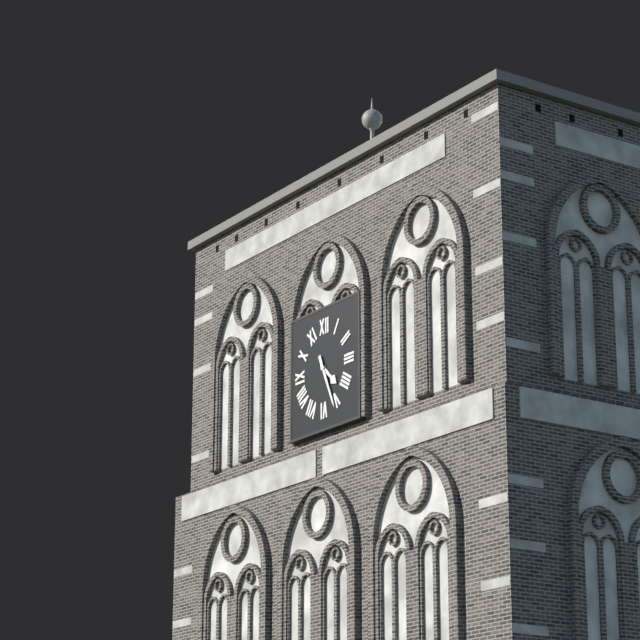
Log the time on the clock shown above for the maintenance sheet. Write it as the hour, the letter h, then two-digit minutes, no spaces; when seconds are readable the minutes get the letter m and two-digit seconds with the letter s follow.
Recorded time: 4h26
